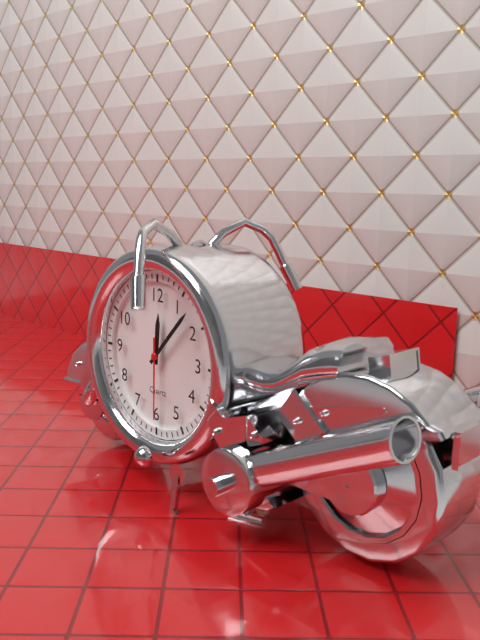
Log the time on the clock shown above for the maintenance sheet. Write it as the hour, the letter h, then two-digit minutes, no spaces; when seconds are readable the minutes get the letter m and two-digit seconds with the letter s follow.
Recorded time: 12h07m30s
